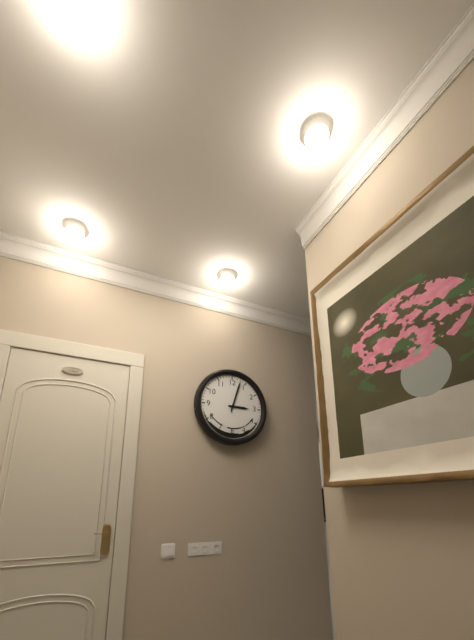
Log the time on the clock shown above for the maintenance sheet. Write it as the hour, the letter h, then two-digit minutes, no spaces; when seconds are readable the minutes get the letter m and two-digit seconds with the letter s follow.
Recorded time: 3h03
